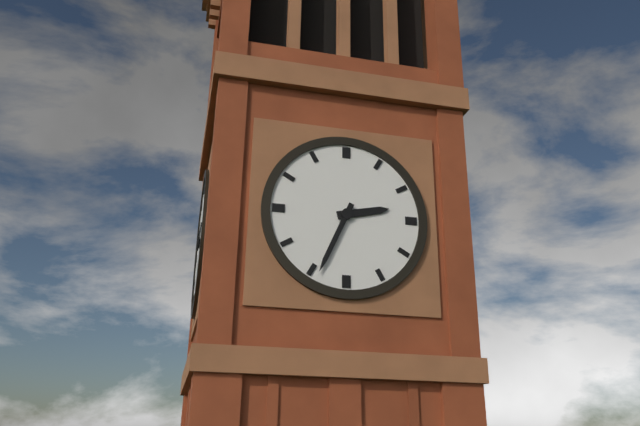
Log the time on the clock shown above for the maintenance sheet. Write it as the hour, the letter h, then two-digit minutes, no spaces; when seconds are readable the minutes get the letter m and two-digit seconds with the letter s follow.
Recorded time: 2h34
